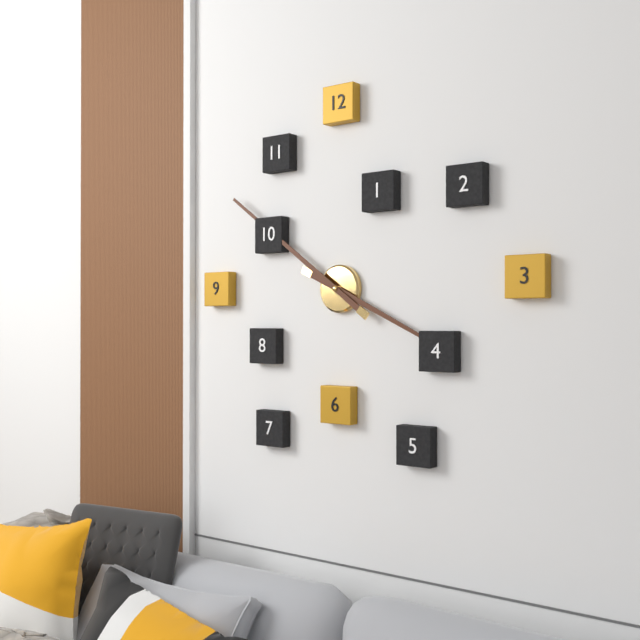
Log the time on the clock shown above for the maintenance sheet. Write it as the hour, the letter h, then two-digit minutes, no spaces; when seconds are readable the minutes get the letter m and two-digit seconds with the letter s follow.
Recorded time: 3h51
